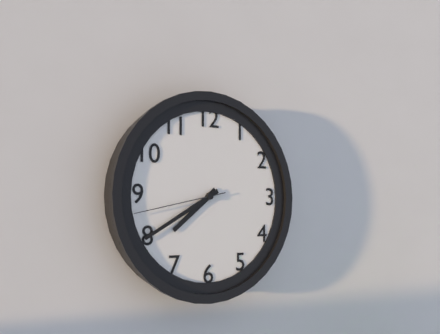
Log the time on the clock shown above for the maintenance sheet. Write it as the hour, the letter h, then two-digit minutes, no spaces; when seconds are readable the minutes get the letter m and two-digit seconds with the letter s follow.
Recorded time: 7h40m43s
